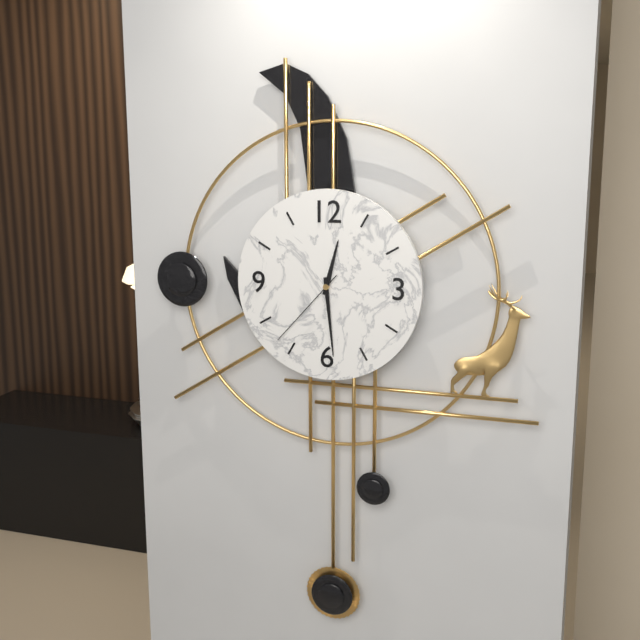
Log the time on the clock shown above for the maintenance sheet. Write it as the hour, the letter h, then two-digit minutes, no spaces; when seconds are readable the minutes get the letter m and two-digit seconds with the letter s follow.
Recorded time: 12h29m37s
